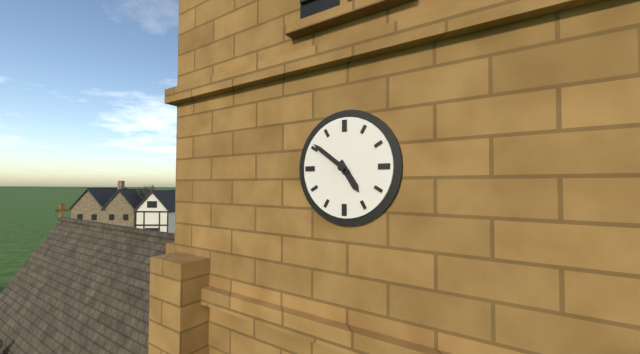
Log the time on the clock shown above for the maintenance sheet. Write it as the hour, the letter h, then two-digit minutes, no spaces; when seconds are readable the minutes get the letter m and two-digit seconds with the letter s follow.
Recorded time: 4h51
